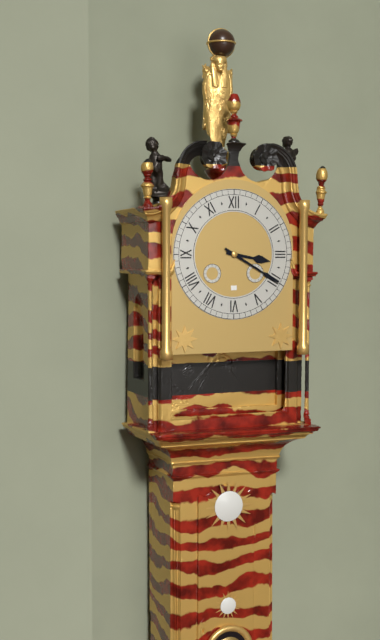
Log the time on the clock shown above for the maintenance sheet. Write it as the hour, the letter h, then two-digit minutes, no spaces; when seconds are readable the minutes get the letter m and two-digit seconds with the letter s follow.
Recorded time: 3h20
